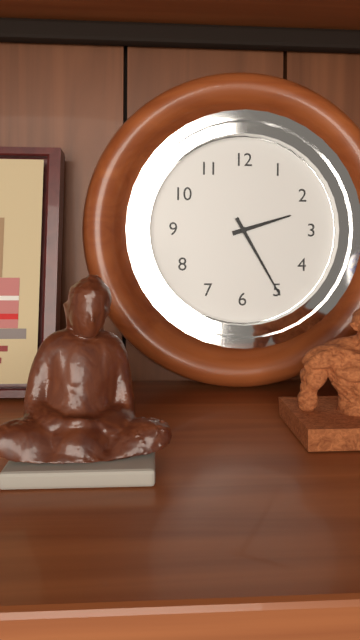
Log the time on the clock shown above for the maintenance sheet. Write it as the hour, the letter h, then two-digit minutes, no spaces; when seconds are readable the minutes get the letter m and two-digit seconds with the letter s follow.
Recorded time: 2h25
